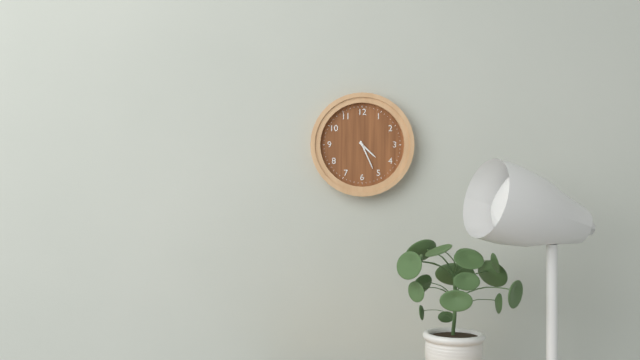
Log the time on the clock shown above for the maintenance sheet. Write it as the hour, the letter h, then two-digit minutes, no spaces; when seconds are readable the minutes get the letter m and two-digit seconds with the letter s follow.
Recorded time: 4h26
